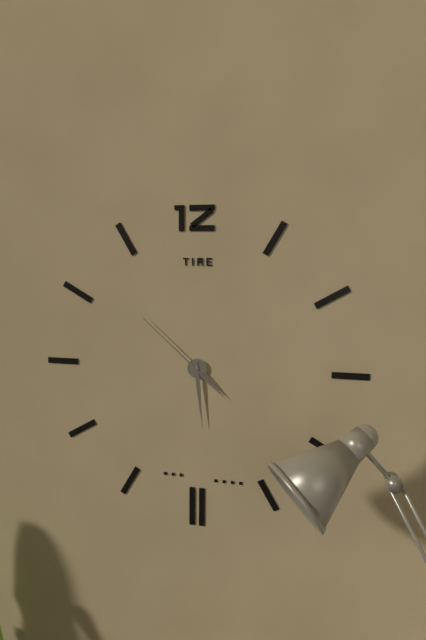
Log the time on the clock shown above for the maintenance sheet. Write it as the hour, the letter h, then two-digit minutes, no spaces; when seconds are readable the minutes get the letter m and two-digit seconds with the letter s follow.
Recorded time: 4h29m52s
